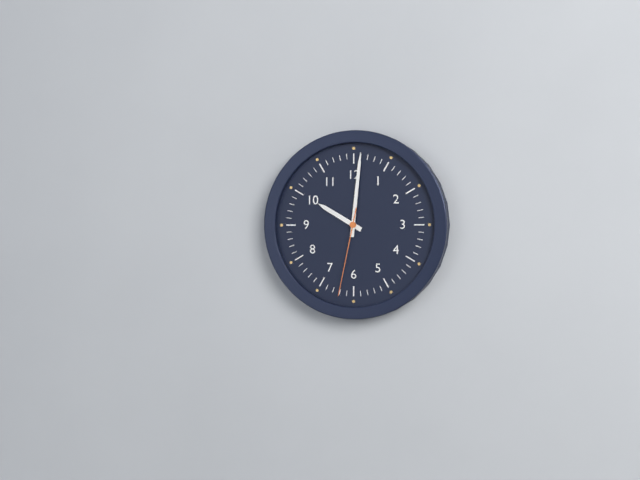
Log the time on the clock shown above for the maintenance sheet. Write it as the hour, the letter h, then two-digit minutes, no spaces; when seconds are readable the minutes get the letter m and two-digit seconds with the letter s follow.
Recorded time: 10h01m32s
